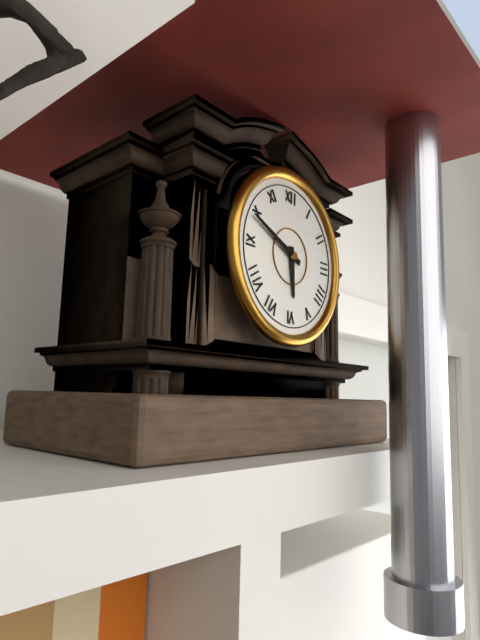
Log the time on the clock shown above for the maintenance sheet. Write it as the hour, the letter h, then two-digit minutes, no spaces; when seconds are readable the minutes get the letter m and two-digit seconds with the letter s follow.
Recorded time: 5h49
